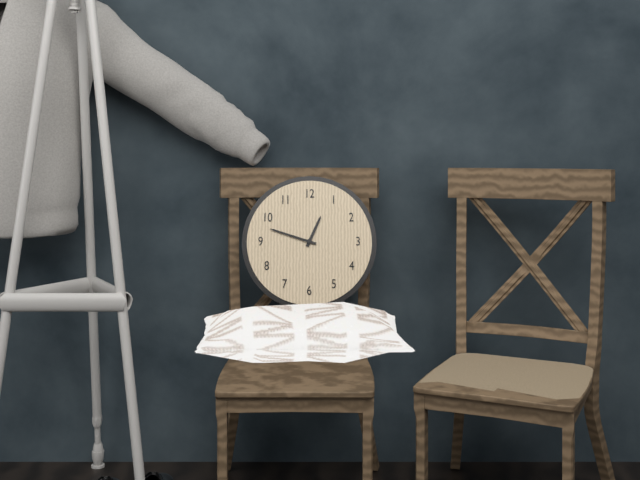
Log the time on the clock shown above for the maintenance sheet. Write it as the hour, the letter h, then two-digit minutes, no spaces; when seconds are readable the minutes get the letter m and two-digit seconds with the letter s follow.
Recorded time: 12h48
